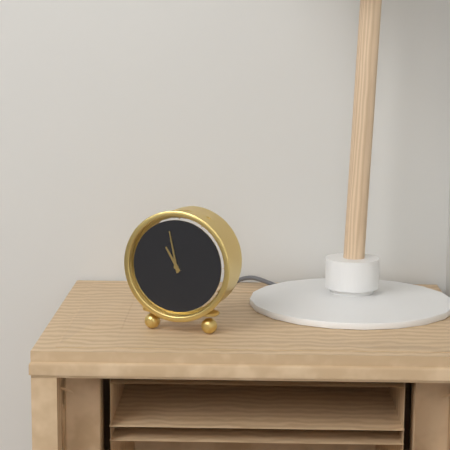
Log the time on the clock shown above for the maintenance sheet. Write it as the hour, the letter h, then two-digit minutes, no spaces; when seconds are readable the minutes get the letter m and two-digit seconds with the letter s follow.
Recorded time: 10h58
